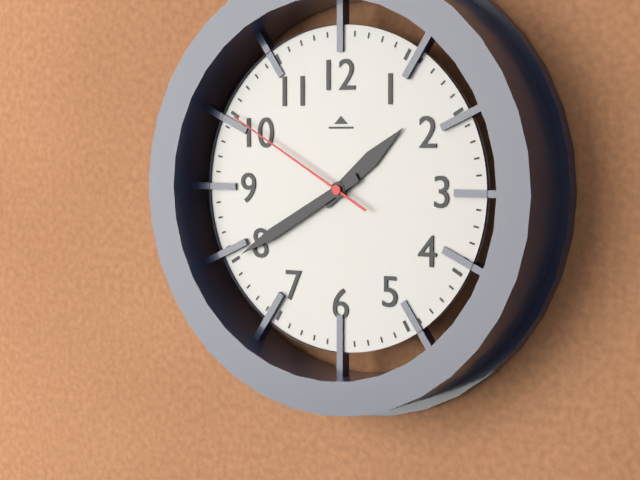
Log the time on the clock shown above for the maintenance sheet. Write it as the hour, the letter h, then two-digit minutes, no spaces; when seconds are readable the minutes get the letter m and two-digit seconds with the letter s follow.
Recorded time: 1h40m50s
